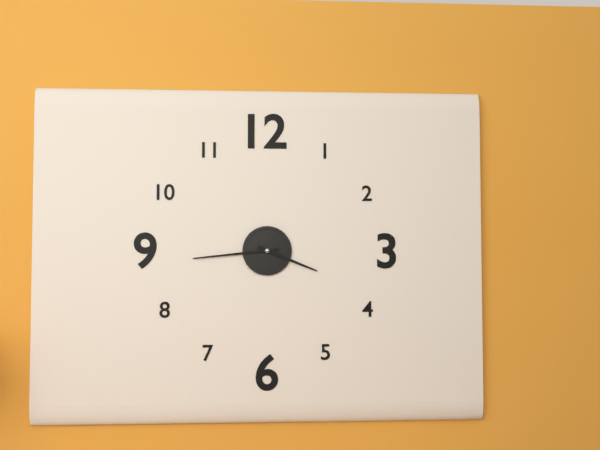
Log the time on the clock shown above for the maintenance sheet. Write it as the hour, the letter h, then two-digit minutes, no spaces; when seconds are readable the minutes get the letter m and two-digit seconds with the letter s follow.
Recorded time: 3h44
